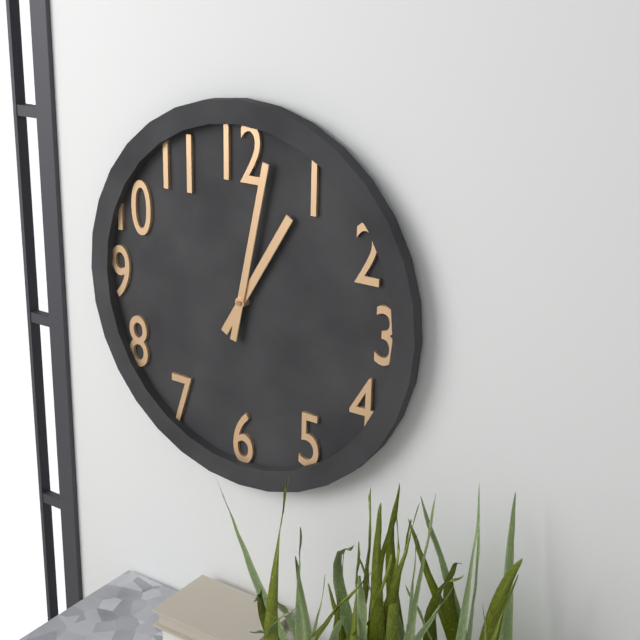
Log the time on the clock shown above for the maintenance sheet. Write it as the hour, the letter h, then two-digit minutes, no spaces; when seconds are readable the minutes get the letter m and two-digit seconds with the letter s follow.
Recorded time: 1h02
